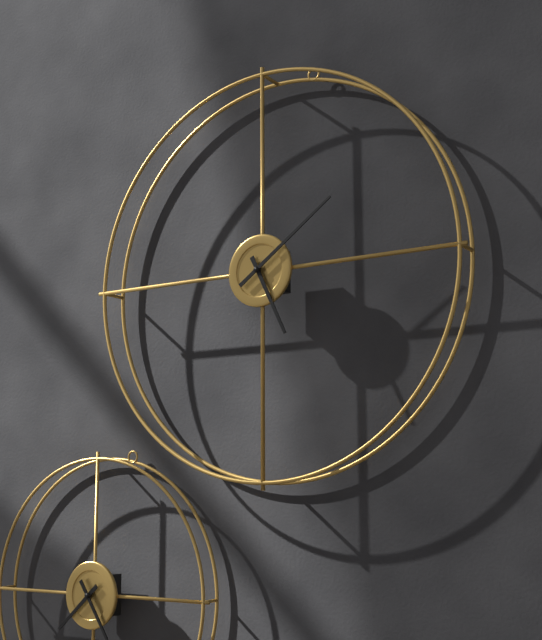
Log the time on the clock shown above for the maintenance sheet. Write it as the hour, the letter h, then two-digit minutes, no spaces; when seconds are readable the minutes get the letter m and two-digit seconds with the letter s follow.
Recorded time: 5h09
